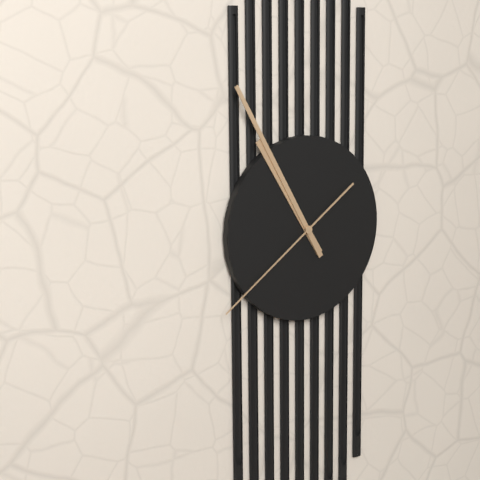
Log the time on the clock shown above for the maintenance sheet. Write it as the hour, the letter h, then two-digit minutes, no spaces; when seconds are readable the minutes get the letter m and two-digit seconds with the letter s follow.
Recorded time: 10h55m39s
